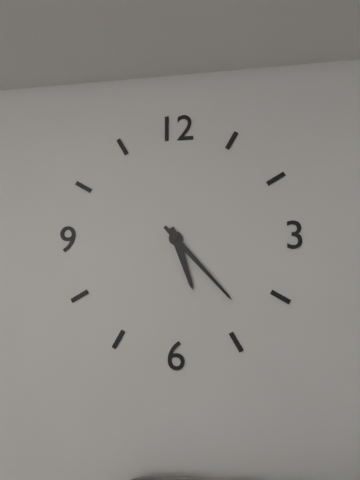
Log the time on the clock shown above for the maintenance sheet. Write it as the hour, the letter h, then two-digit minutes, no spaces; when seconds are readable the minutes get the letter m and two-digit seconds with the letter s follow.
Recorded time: 5h23
